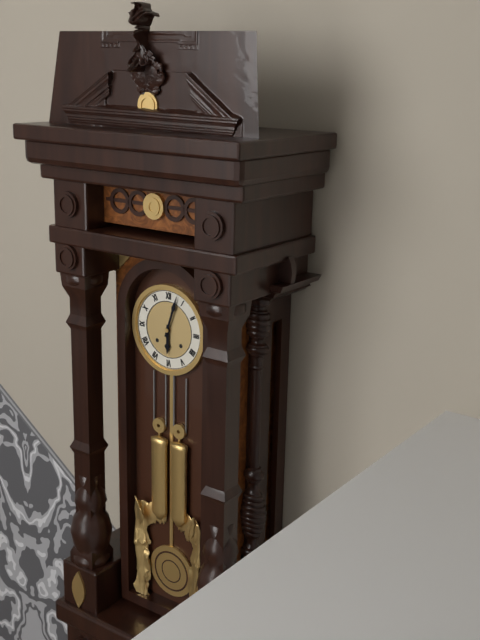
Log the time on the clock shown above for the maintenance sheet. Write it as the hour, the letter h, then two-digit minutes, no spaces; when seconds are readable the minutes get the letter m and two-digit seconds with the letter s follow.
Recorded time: 6h03
